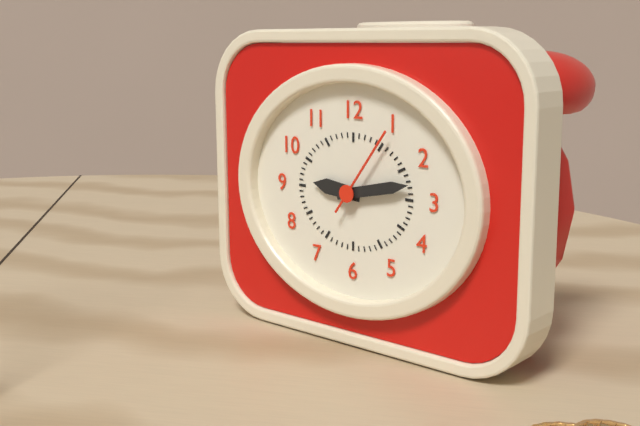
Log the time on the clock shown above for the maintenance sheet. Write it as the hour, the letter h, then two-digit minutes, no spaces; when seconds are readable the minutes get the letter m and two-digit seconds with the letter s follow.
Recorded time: 9h13m06s
